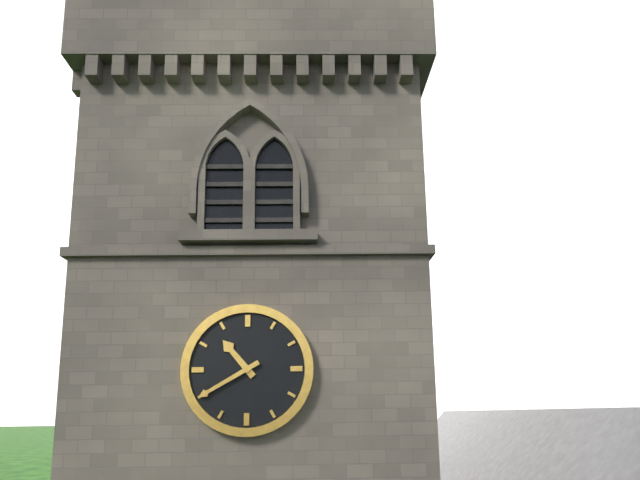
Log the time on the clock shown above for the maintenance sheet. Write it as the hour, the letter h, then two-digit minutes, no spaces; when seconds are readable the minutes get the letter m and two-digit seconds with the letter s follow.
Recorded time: 10h40
